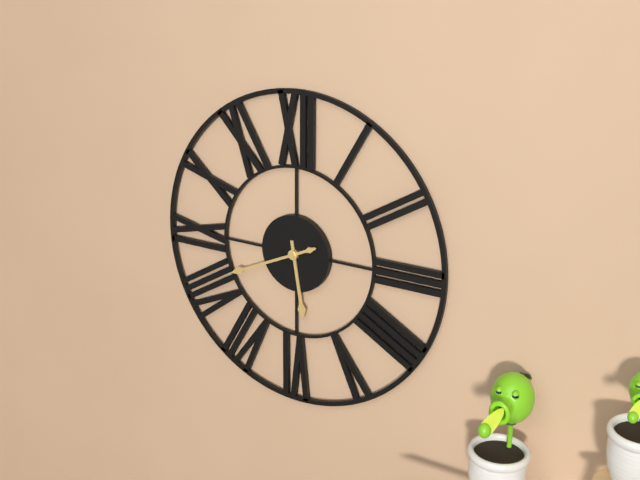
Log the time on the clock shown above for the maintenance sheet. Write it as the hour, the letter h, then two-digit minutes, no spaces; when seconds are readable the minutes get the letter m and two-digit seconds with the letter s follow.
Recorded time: 5h41
